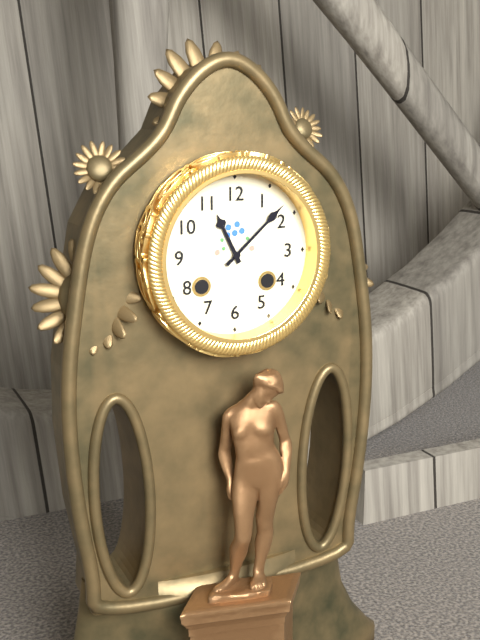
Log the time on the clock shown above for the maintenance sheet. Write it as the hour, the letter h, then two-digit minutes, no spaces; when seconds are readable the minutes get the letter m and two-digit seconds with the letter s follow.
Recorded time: 11h08
